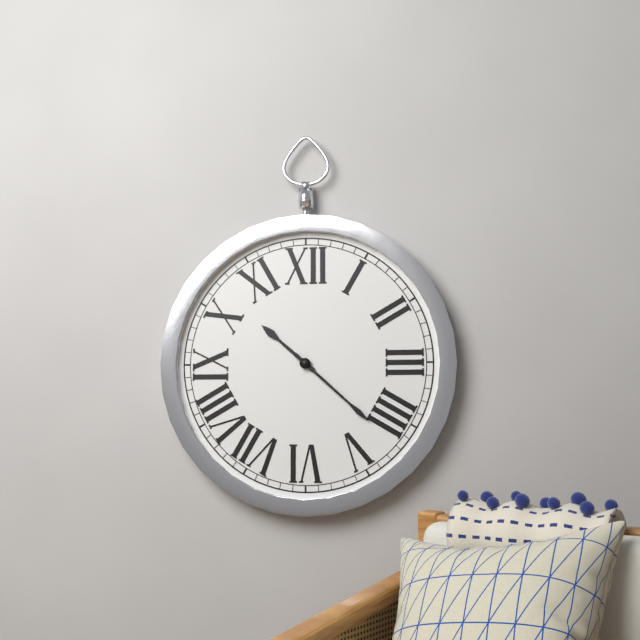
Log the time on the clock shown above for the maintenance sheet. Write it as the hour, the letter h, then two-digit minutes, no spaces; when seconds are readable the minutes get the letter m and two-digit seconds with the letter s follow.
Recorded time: 10h22
